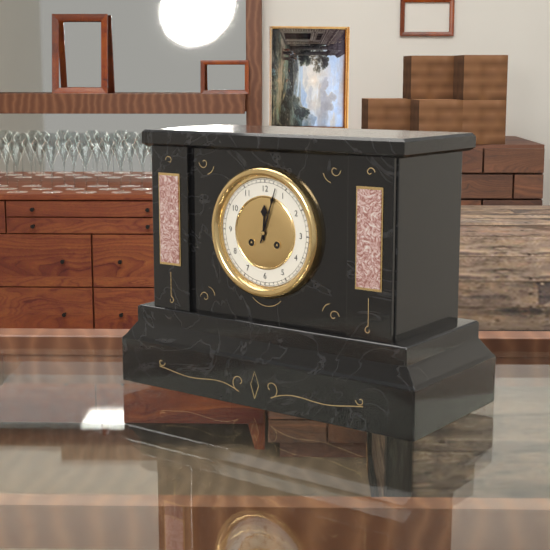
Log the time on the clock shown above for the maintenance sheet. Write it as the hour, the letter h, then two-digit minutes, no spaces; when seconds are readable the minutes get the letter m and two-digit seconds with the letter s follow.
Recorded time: 12h03
